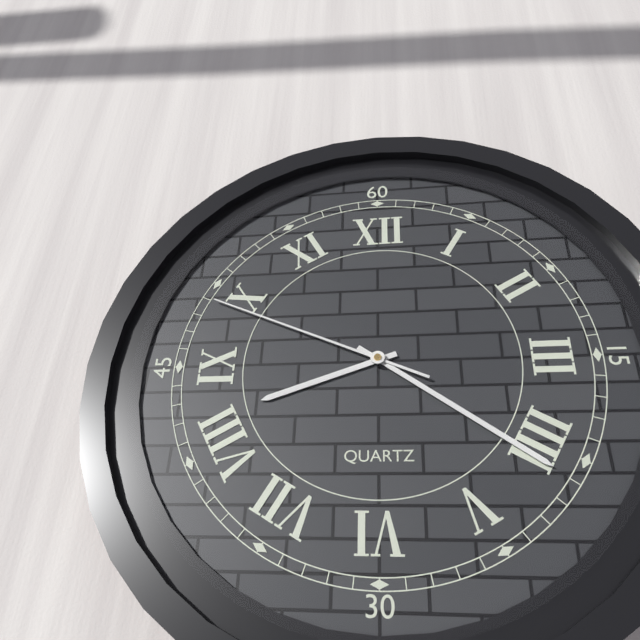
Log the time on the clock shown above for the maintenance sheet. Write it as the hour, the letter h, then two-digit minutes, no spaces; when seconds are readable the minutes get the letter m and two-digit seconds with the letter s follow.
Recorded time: 8h21m49s
